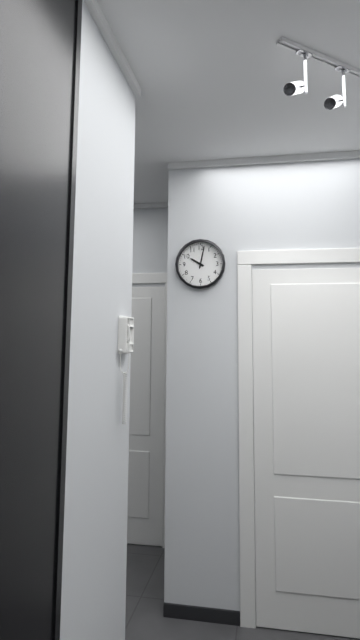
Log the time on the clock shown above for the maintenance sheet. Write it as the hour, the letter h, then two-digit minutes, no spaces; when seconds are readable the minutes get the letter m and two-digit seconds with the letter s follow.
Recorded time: 10h02
